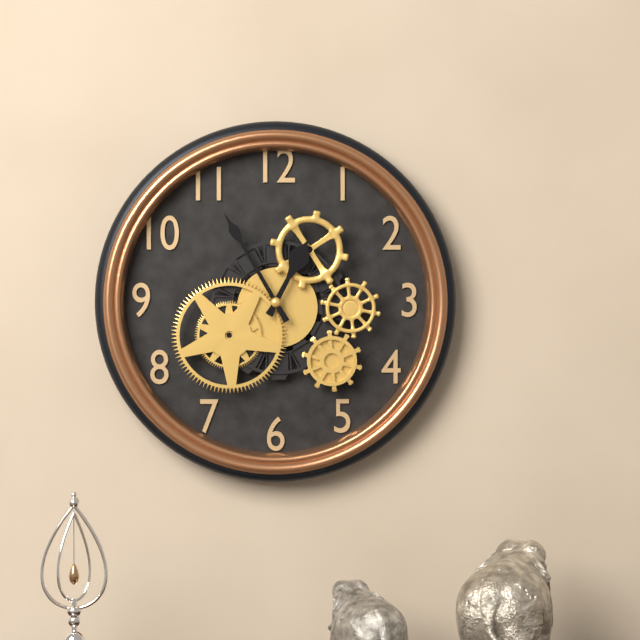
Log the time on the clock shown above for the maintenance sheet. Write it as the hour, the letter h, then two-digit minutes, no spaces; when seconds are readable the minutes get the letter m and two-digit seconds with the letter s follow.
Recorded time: 12h55
